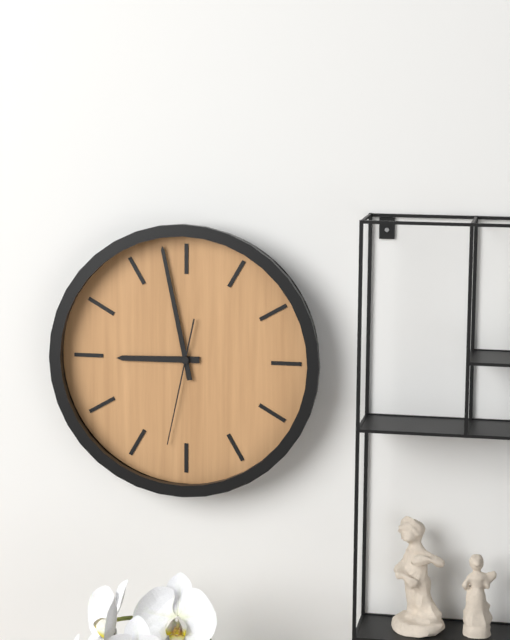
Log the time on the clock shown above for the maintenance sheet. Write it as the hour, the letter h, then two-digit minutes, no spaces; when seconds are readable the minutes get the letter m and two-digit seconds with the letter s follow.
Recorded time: 8h58m32s
